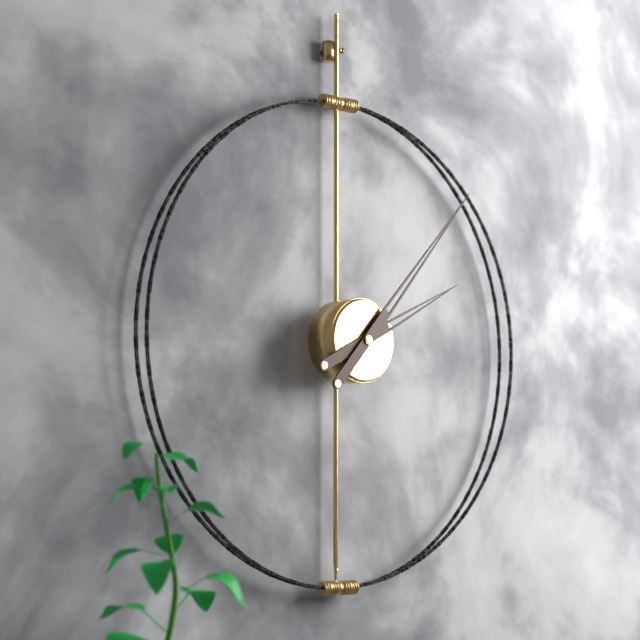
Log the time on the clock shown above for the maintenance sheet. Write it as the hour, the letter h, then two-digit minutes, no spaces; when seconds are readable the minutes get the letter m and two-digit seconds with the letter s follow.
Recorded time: 2h07
